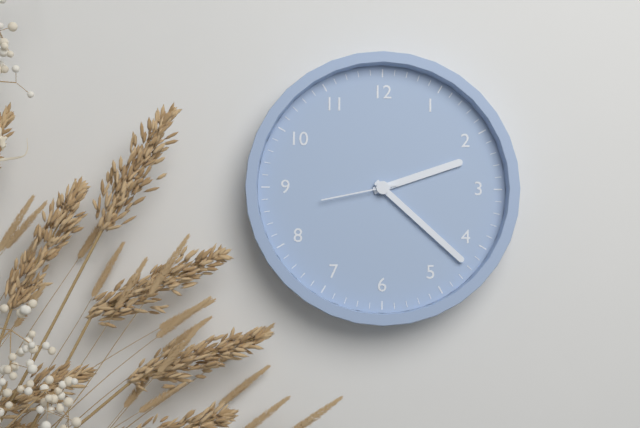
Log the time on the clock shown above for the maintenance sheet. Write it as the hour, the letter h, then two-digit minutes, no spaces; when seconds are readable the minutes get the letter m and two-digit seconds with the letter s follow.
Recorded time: 2h22m43s
